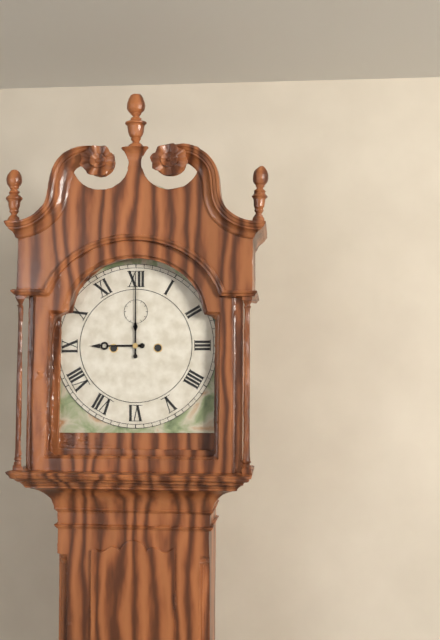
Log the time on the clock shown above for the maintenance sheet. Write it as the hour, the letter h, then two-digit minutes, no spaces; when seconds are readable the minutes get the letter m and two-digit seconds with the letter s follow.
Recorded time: 9h00
